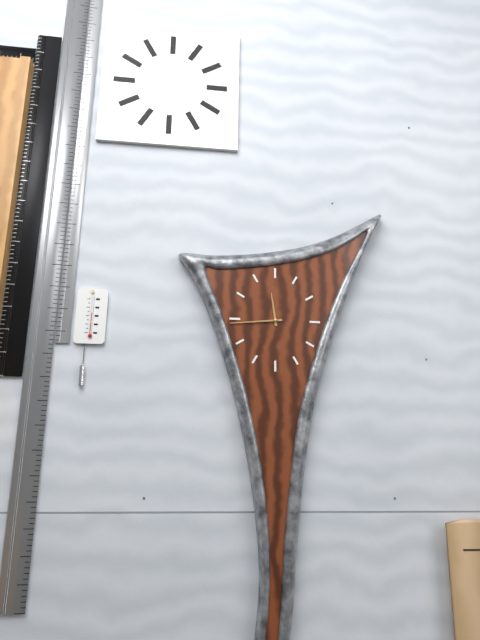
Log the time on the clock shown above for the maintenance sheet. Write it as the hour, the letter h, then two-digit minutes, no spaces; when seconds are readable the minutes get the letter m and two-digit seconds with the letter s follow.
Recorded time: 11h44
